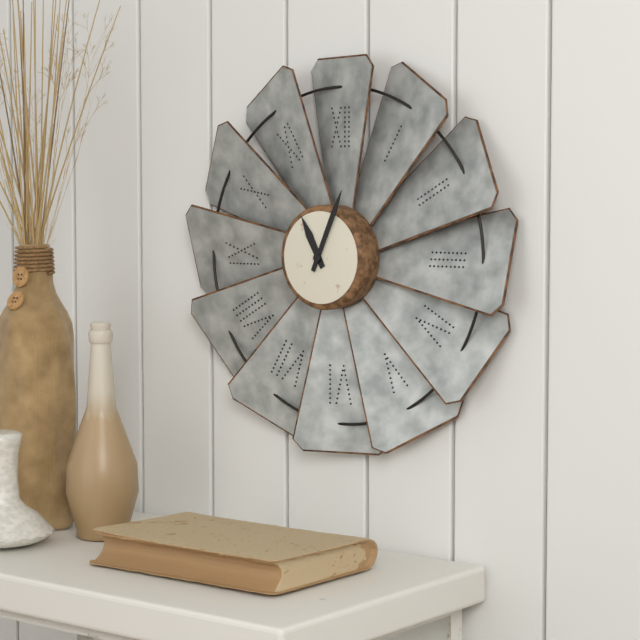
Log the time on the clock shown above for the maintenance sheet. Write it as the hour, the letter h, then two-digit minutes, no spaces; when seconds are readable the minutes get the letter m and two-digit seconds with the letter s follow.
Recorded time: 11h04
